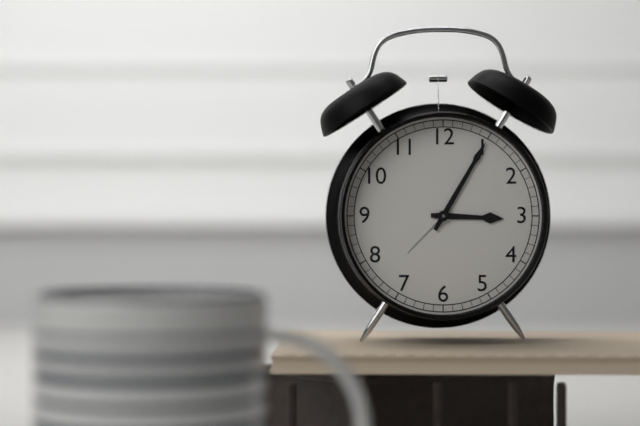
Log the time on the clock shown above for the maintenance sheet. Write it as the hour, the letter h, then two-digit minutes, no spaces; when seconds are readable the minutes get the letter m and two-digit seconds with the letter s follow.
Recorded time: 3h05
